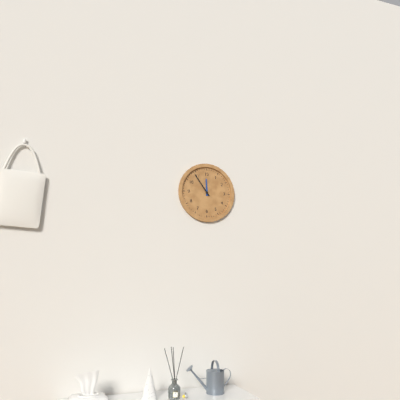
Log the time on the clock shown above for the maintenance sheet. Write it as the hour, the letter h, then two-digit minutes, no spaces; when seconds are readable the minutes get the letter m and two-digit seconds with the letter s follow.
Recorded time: 11h54
